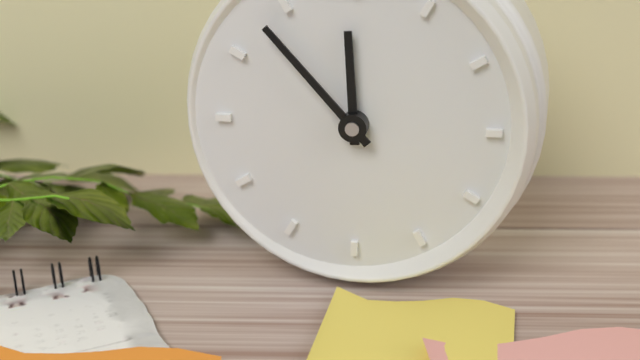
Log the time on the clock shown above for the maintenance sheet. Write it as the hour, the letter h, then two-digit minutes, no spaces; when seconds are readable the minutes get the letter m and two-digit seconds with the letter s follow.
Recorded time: 11h53
